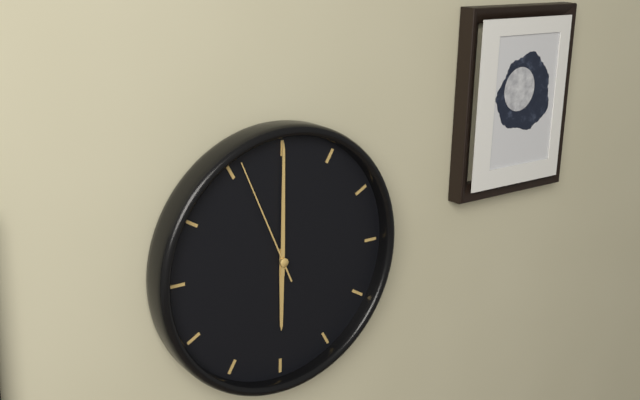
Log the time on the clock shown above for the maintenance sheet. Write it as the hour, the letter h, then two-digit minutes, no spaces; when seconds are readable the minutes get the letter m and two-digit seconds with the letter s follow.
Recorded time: 6h00m56s
